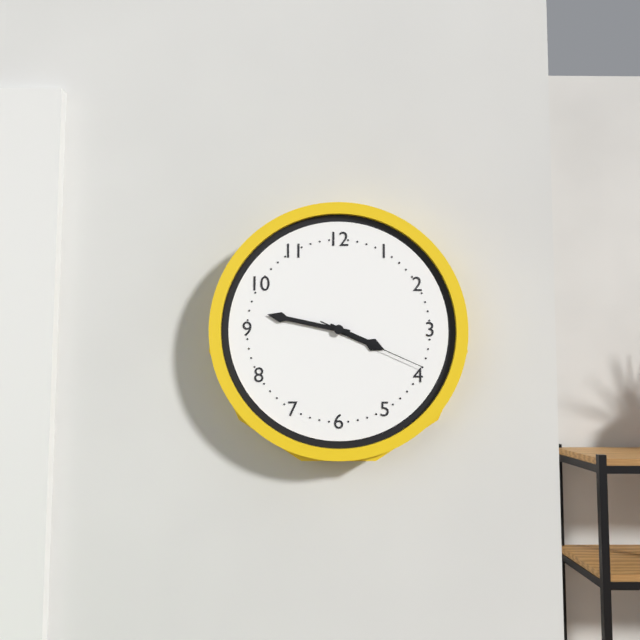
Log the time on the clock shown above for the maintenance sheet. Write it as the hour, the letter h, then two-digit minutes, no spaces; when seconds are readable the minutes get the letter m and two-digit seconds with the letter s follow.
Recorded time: 3h47m19s
